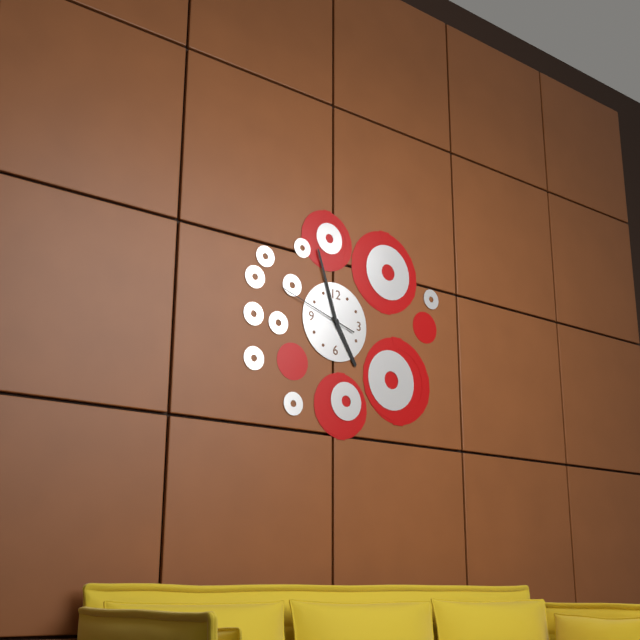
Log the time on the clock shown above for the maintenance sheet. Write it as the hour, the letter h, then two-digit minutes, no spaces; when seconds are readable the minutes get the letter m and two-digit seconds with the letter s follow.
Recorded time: 4h57m48s
